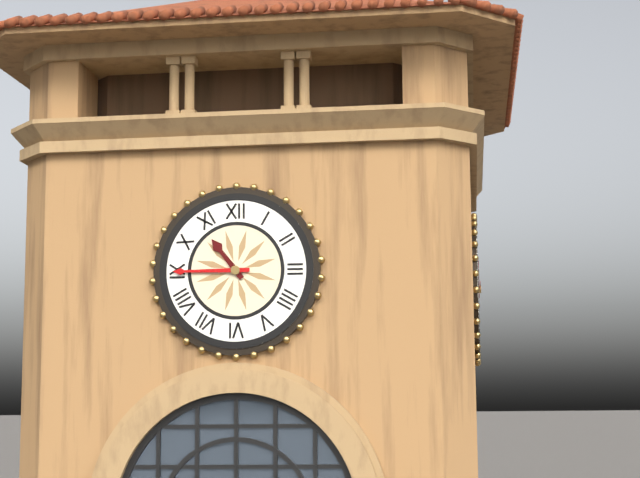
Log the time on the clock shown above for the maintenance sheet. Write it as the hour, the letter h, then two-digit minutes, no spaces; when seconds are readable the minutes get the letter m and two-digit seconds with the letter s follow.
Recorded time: 10h45
